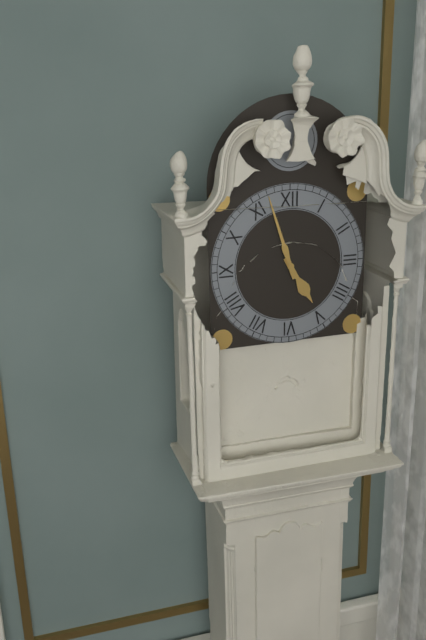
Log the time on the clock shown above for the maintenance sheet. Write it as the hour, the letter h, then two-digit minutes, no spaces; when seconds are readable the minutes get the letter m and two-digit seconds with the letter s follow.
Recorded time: 4h57
